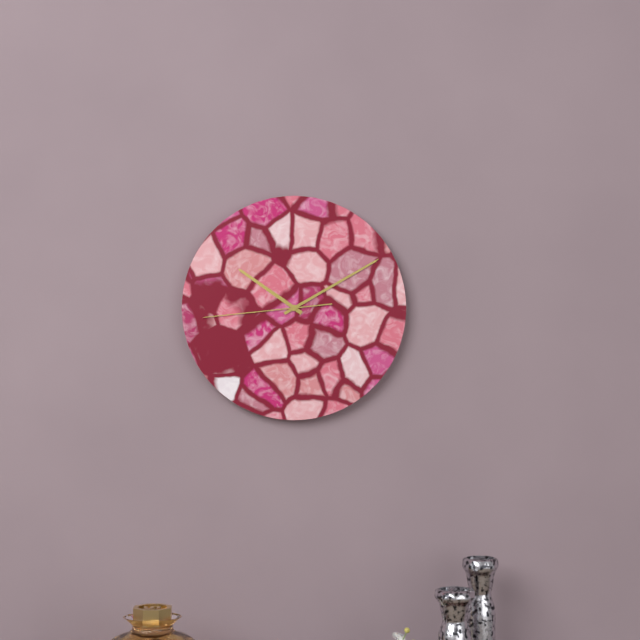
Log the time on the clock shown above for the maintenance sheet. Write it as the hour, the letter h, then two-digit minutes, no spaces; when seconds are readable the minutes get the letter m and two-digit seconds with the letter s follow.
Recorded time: 10h10m44s
